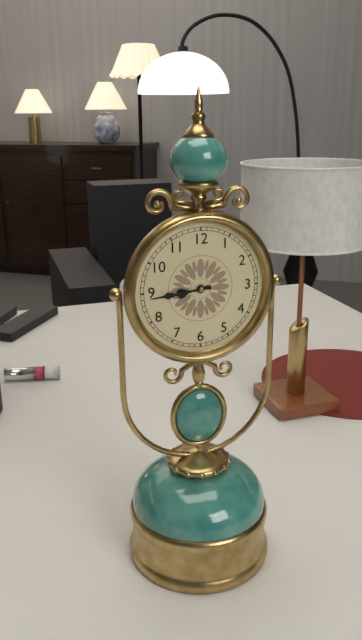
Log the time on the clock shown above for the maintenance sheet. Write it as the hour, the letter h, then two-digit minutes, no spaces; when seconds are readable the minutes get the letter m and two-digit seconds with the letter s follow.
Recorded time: 8h44
